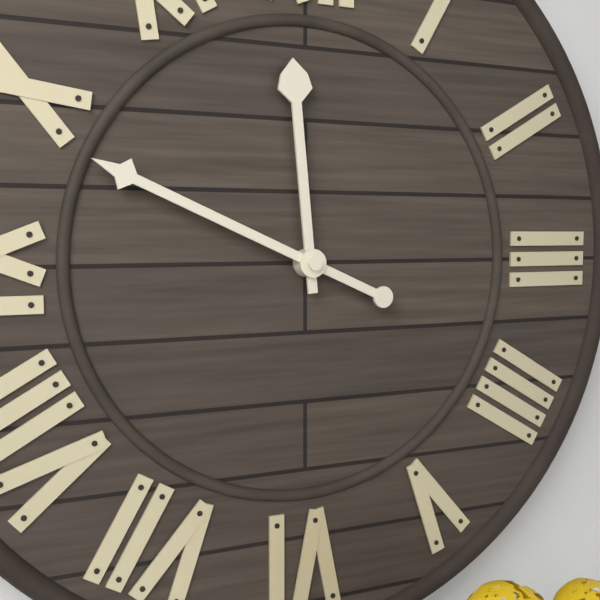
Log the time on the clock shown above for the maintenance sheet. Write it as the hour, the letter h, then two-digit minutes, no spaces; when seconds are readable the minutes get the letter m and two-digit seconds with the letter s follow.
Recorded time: 11h49
